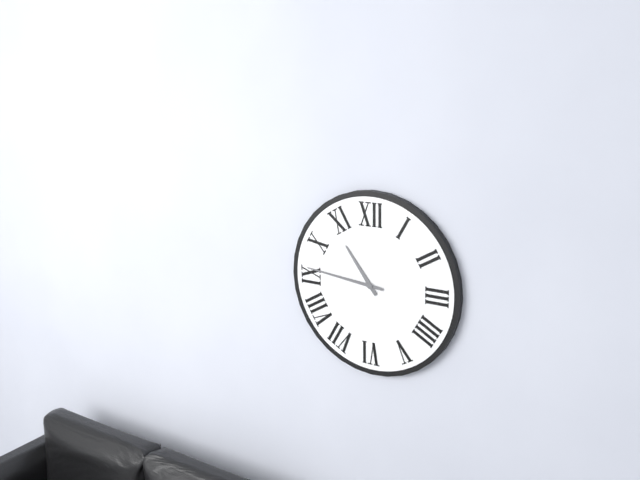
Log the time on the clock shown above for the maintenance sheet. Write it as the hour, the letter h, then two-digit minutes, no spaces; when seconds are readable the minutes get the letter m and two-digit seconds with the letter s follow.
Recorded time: 10h46
